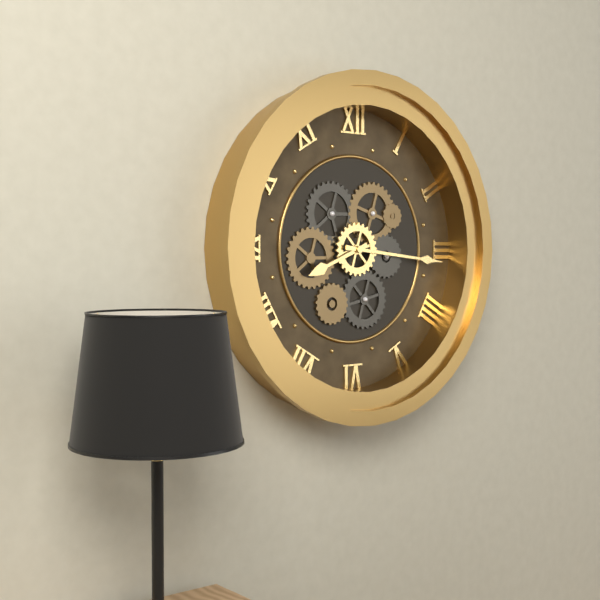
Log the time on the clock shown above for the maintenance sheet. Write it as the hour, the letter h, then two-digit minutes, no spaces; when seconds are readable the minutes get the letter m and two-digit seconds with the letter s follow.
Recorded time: 8h16
